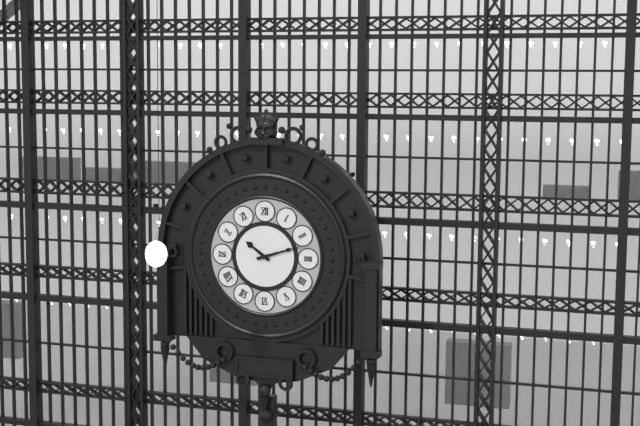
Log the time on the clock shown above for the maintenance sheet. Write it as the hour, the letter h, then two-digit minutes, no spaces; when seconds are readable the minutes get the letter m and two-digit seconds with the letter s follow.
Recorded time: 10h12
